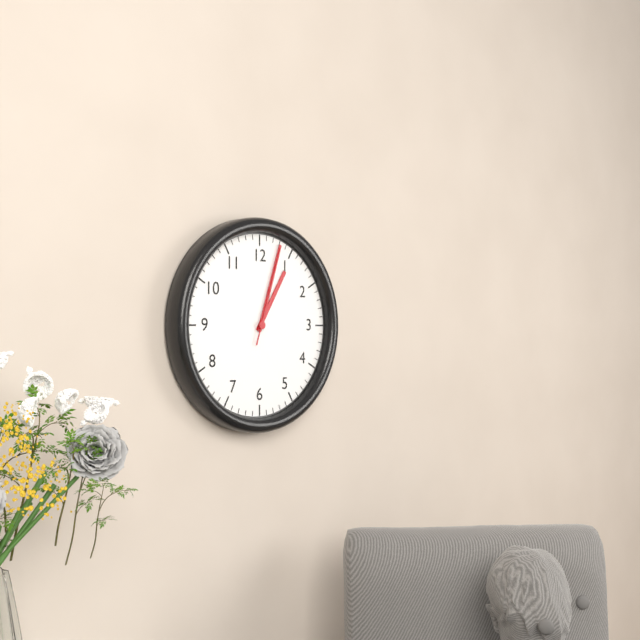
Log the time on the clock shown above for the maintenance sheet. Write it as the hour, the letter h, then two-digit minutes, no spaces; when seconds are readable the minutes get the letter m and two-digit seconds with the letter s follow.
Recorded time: 1h03m03s
